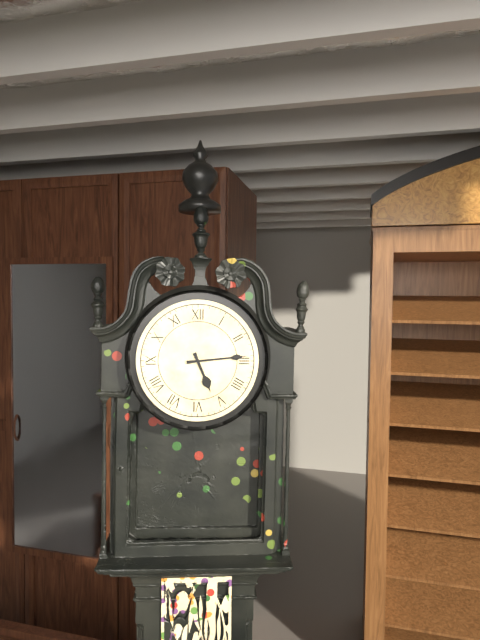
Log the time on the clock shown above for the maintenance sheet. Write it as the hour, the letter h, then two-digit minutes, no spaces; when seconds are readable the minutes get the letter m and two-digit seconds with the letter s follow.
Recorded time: 5h14
